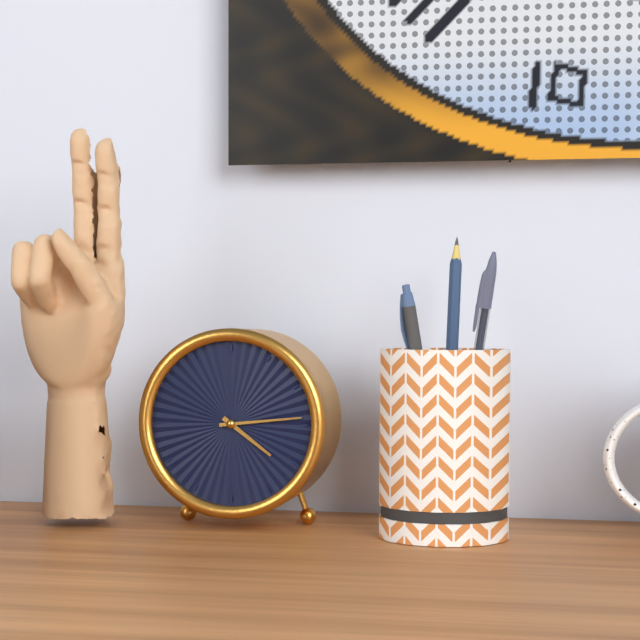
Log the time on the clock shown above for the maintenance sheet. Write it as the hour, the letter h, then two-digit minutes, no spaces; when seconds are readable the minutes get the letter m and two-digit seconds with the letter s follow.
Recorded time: 4h14
